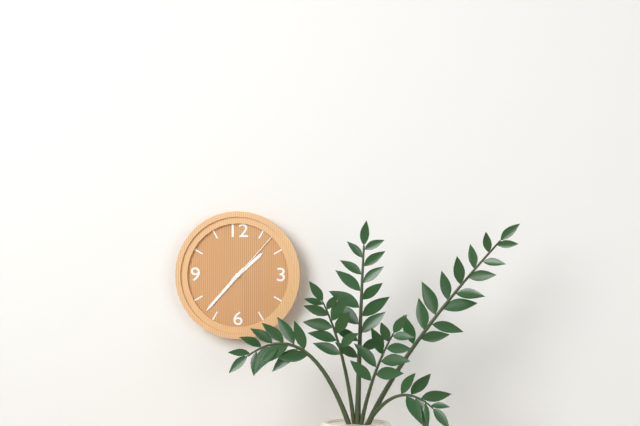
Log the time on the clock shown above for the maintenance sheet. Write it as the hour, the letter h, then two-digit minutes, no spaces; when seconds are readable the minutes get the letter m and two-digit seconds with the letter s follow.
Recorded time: 1h37m07s
